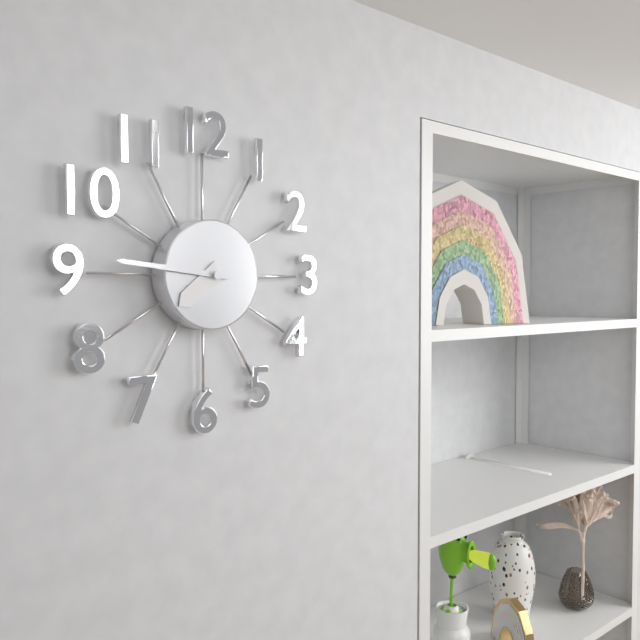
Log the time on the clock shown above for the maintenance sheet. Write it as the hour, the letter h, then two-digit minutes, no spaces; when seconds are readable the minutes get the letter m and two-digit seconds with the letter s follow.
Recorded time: 7h46
